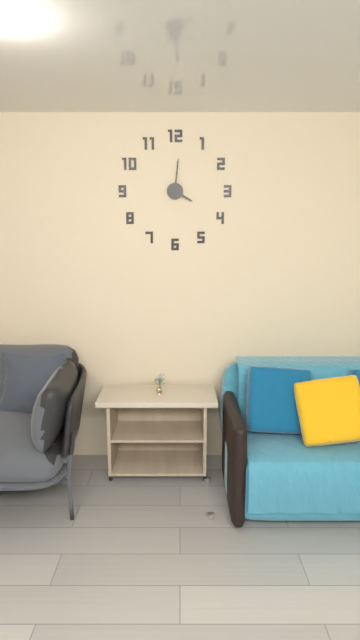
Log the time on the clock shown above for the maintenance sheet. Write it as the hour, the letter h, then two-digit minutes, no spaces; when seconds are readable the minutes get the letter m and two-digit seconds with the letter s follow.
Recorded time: 4h01
